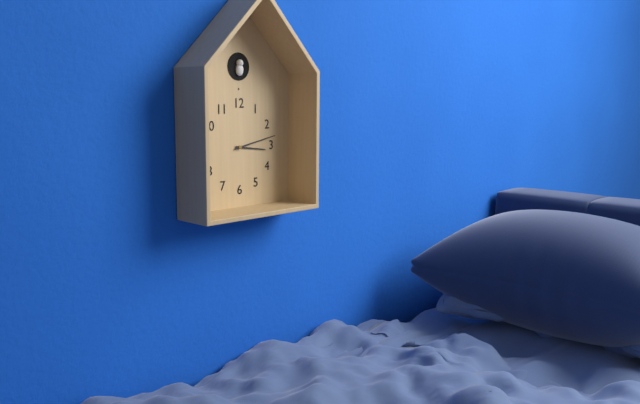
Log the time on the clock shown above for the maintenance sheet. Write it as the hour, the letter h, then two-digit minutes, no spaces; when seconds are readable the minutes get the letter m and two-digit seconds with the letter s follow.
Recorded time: 3h13
